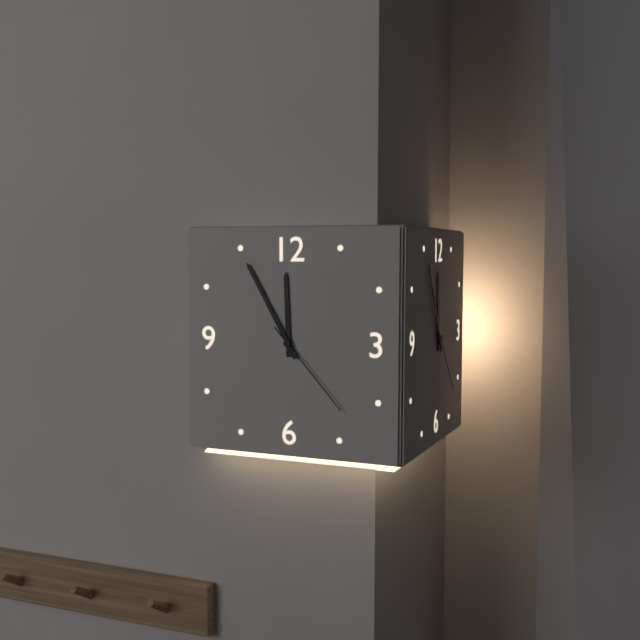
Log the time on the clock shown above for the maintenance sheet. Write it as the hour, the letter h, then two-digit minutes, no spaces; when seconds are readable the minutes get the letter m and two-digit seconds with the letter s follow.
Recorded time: 11h55m23s
